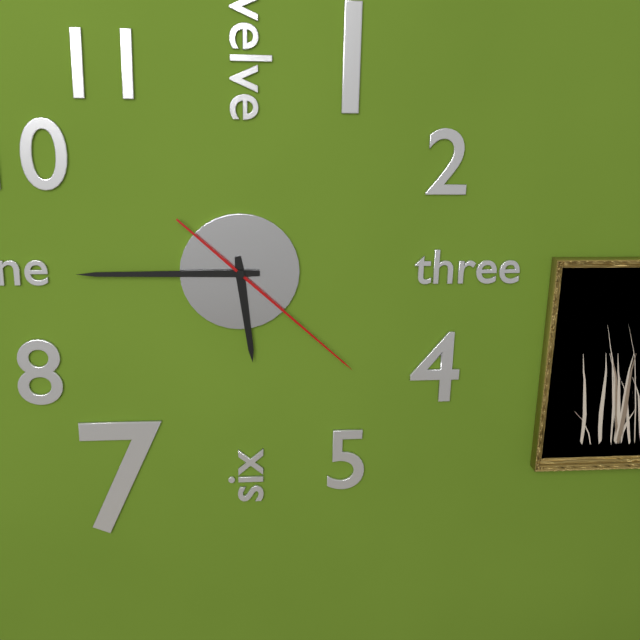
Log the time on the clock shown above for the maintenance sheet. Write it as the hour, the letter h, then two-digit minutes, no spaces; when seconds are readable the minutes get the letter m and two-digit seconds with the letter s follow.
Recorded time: 5h45m22s
